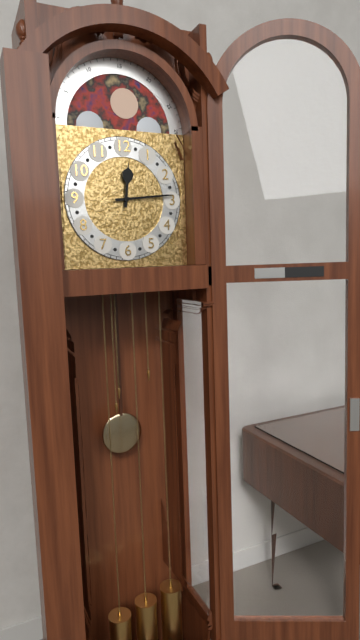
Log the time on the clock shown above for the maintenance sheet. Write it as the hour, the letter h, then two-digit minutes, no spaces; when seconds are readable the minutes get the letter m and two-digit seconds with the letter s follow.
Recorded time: 12h14
